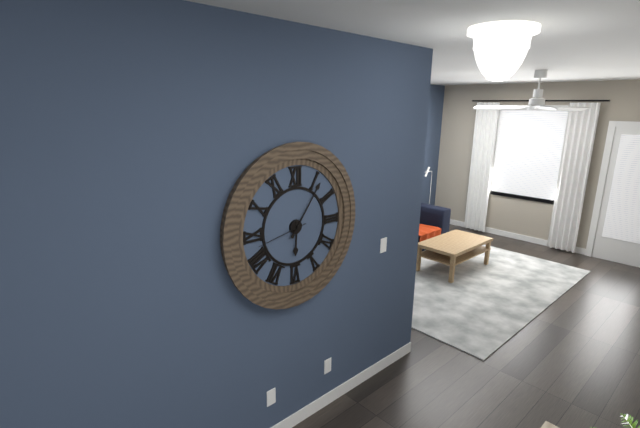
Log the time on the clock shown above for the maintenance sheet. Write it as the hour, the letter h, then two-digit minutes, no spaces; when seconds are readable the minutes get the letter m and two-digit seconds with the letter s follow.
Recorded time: 6h06m43s
